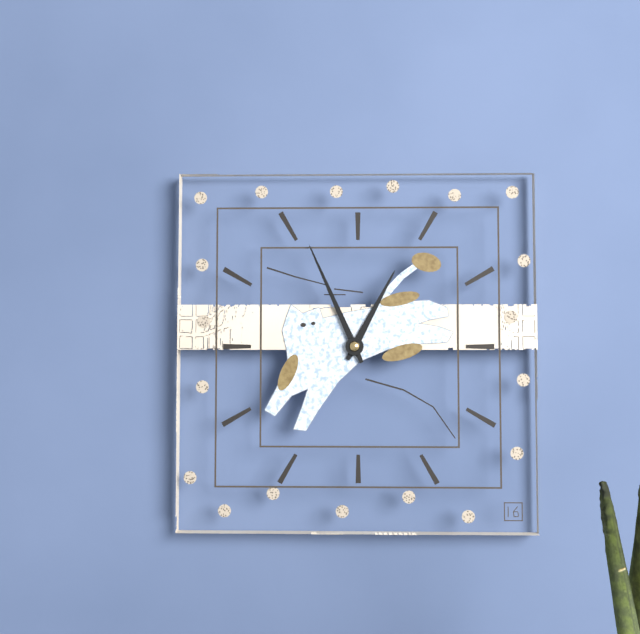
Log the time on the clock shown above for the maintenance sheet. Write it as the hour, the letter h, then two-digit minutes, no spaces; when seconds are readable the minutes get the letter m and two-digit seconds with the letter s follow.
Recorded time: 12h56
